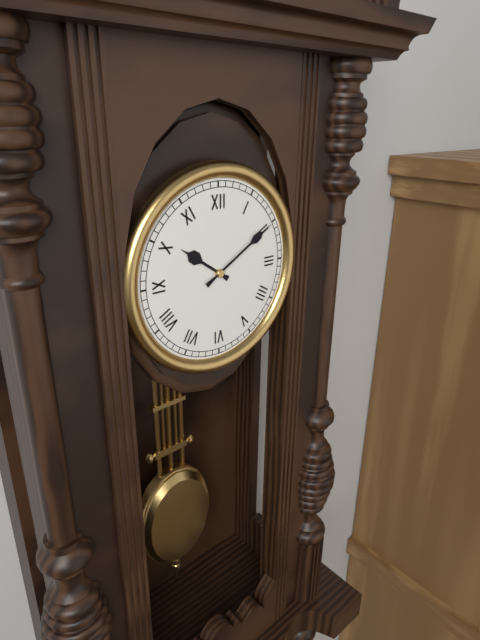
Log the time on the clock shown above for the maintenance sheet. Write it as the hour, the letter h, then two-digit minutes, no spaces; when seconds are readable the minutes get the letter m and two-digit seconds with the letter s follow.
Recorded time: 10h10
